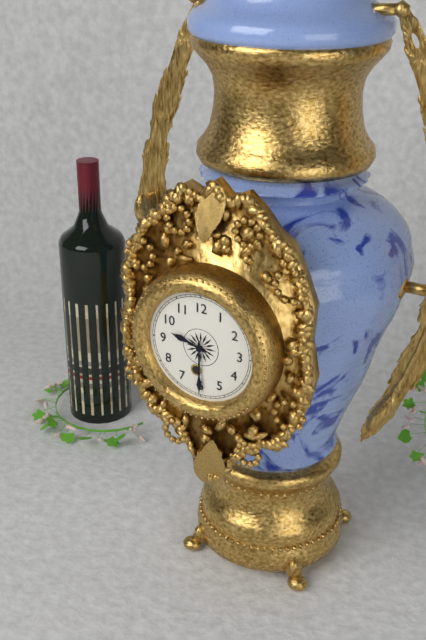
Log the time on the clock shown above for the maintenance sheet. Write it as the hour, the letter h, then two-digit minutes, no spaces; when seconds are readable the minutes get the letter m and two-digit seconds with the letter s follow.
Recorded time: 9h30
